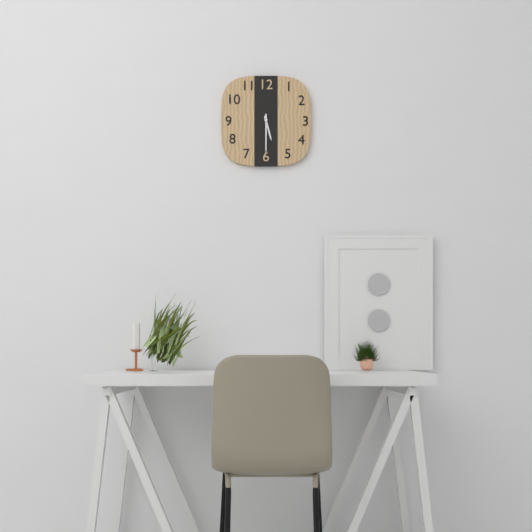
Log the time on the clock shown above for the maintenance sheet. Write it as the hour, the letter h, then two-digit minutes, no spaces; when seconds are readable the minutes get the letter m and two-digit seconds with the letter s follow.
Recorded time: 5h30
